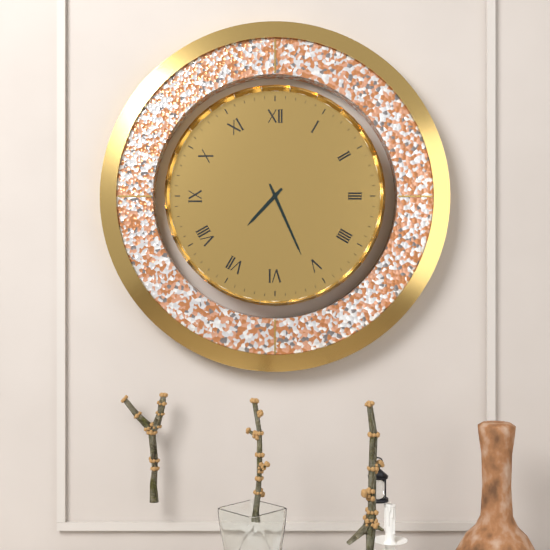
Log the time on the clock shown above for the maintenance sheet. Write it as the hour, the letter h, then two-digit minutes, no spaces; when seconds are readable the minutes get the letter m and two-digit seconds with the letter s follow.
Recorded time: 7h26
